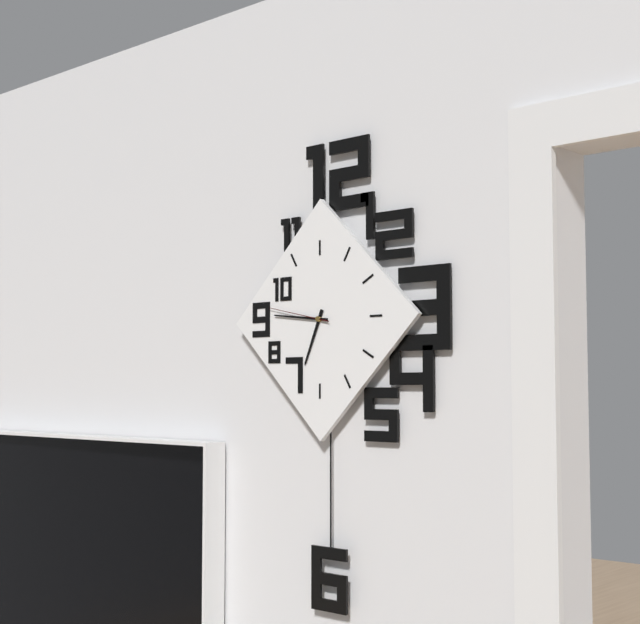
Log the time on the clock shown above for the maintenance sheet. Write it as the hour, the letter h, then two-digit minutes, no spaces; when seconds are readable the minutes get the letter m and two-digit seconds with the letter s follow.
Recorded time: 6h46m47s
